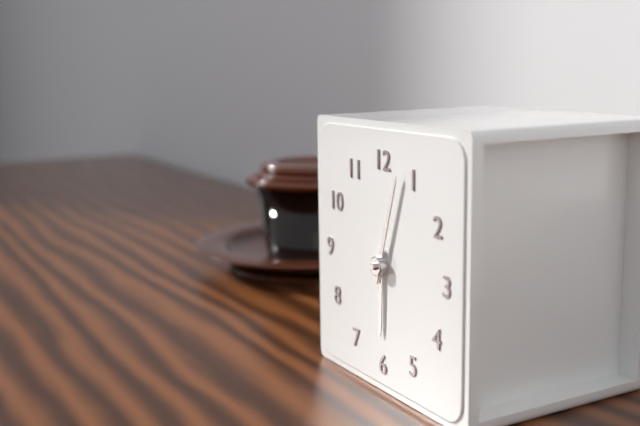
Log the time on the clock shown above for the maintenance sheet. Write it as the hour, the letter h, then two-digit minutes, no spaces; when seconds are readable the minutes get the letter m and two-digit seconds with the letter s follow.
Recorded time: 6h03
